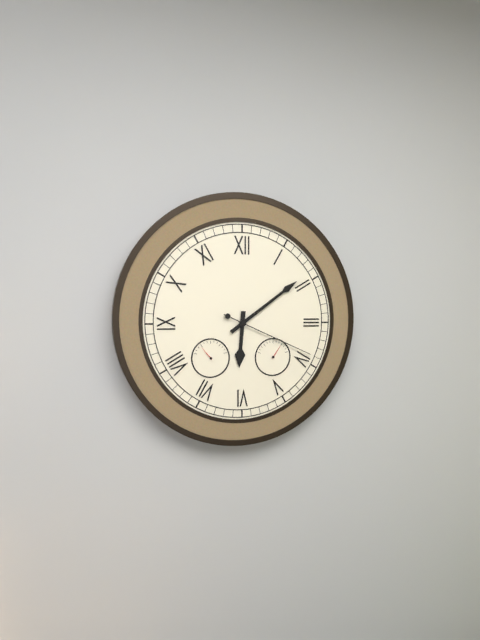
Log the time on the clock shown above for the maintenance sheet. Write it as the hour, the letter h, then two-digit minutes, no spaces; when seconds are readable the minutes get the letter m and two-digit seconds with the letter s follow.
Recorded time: 6h09m19s
